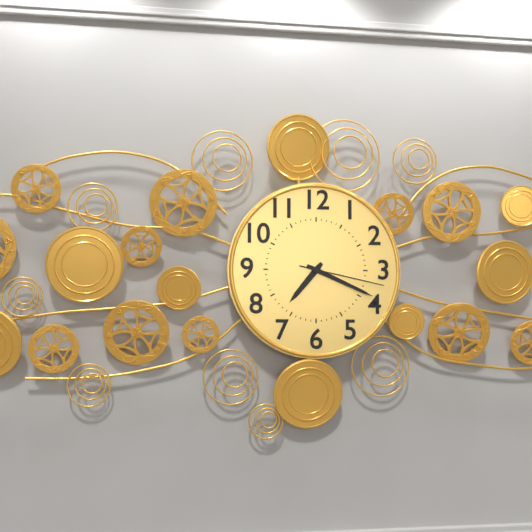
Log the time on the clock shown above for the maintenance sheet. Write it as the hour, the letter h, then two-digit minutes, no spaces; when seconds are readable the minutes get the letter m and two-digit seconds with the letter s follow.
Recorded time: 7h19m17s
